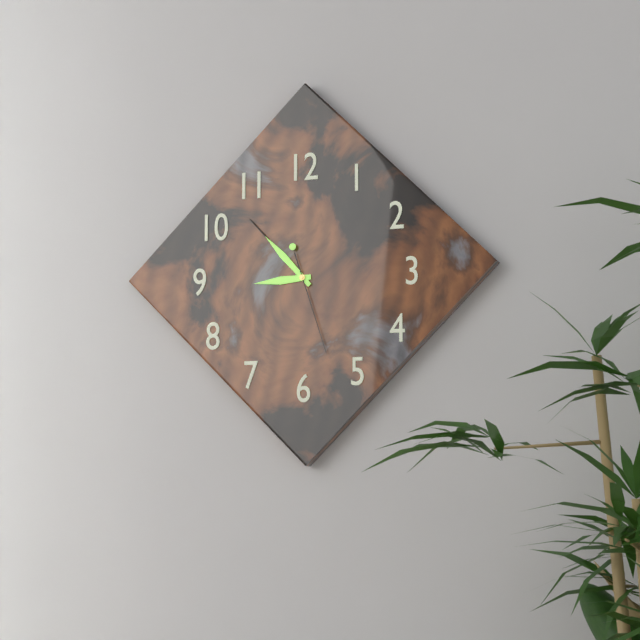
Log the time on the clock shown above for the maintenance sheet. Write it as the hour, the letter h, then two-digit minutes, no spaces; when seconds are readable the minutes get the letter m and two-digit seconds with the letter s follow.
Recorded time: 8h53m27s
